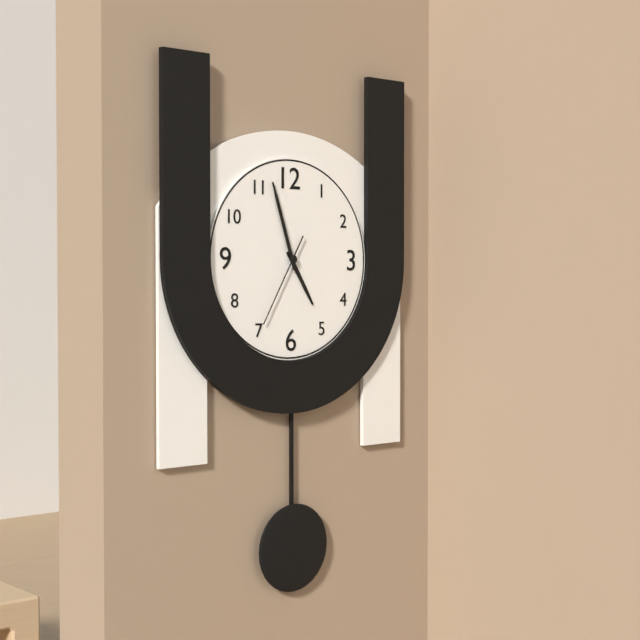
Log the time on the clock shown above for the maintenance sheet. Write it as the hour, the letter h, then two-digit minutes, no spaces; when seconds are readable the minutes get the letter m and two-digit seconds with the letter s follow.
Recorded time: 4h57m35s
